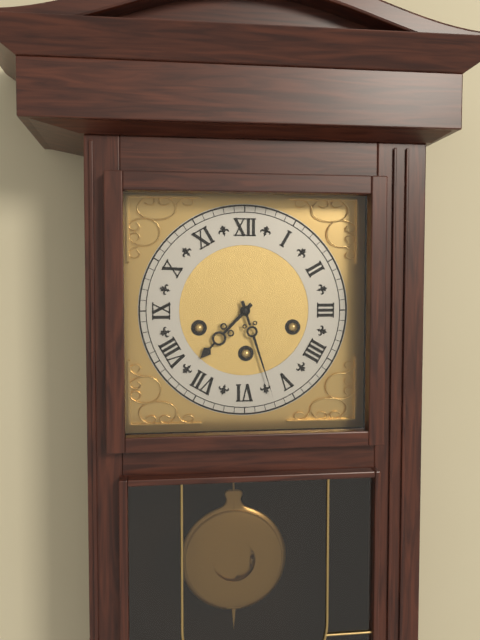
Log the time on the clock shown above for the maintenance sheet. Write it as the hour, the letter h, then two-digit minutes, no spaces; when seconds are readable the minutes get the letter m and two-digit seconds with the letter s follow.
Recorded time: 7h27
